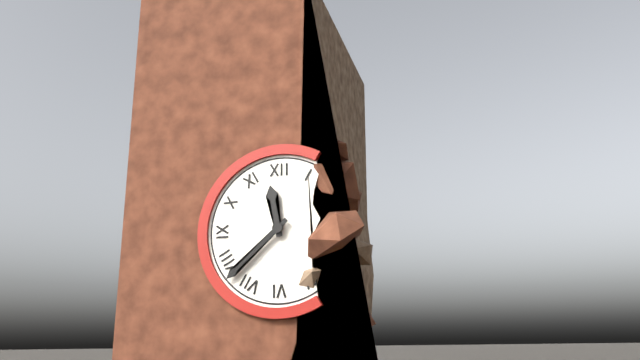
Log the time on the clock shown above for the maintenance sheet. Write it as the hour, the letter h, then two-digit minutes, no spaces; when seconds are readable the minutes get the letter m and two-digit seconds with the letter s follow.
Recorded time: 11h38
